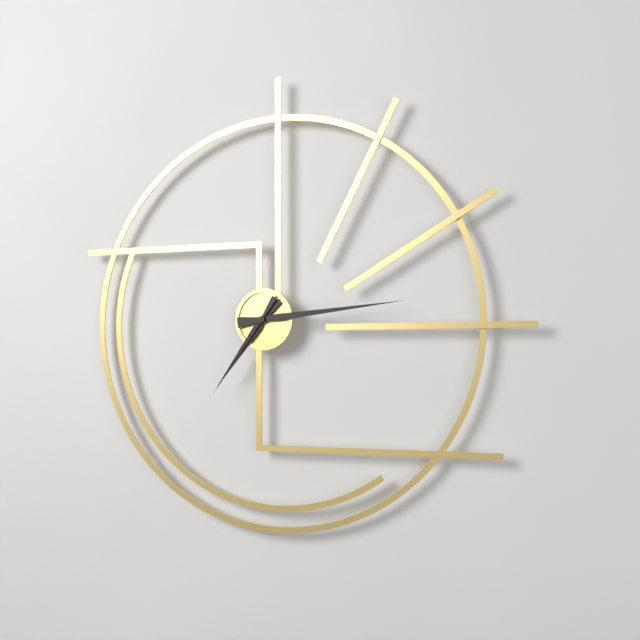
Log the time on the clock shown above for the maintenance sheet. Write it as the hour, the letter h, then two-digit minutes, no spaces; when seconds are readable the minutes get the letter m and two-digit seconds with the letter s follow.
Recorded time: 7h14m36s
